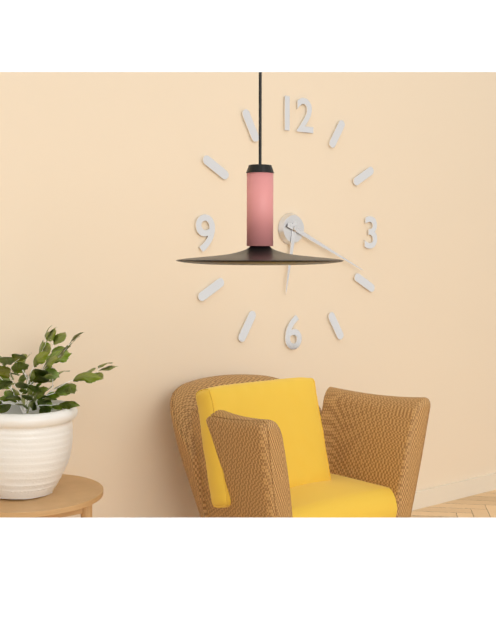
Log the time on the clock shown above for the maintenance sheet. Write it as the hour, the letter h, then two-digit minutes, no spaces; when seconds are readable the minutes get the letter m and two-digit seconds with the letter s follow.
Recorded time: 6h19
